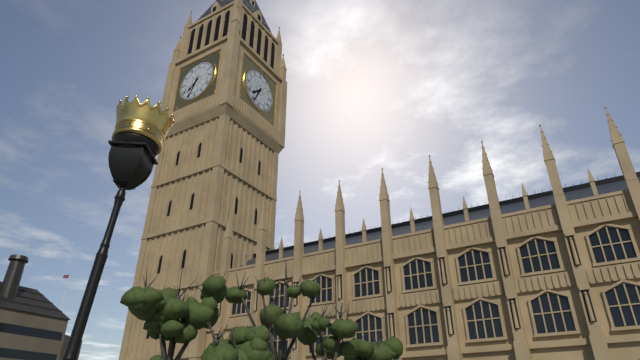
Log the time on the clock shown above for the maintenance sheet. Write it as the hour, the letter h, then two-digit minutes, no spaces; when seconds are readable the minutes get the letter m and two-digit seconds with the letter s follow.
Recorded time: 7h34
